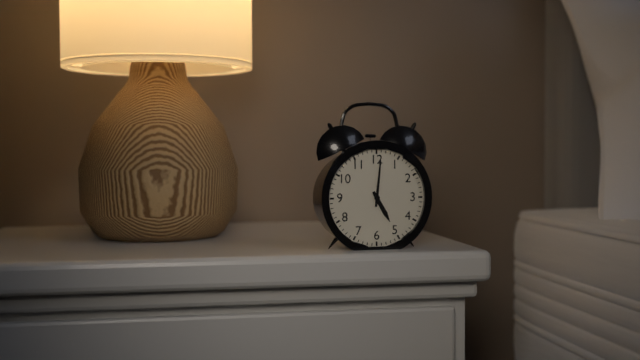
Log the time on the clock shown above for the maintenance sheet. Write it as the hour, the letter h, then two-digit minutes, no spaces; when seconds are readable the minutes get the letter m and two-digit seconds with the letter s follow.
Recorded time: 5h01
